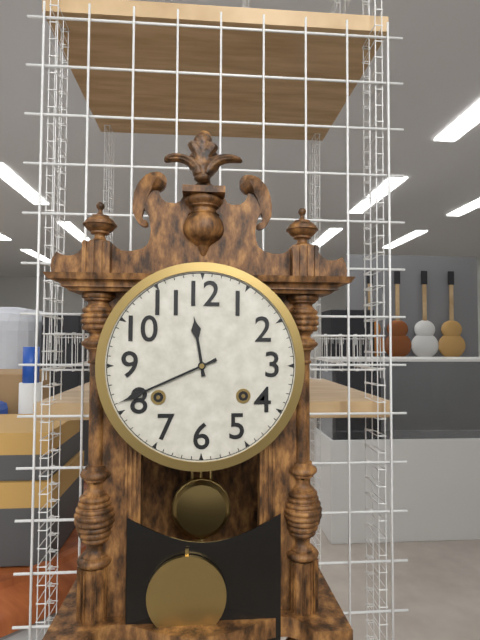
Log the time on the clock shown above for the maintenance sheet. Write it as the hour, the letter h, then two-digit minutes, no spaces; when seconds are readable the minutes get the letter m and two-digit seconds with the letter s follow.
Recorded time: 11h41
